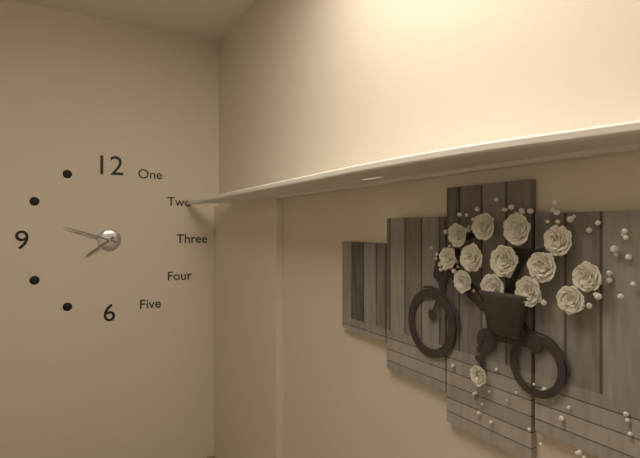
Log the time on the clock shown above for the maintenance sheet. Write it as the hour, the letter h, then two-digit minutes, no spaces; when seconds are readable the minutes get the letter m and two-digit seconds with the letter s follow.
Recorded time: 7h48
